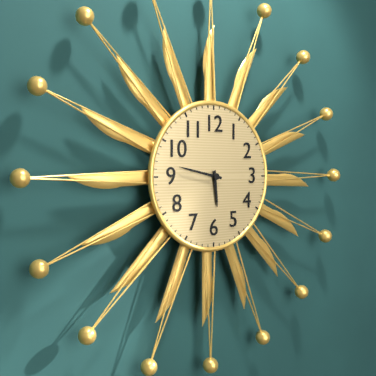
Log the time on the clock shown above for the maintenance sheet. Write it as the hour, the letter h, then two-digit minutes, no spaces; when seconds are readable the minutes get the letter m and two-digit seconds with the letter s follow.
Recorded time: 5h47
